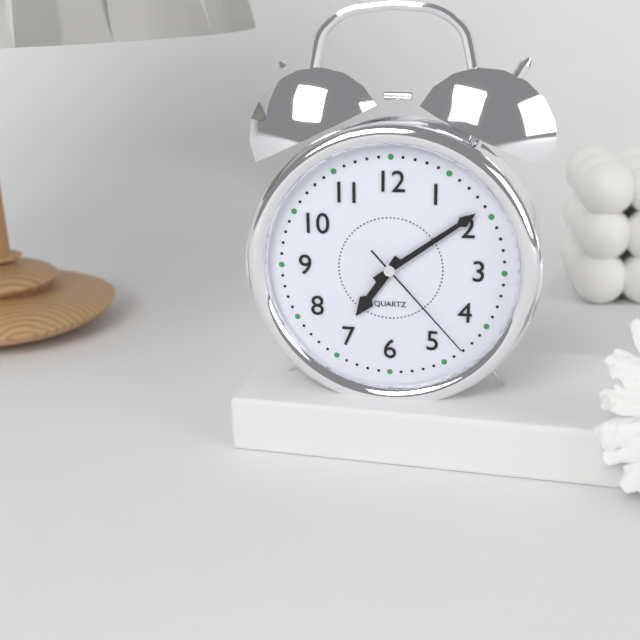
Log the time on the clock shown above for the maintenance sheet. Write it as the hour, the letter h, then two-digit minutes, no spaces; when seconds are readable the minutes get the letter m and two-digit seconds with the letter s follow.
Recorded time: 7h09m23s
